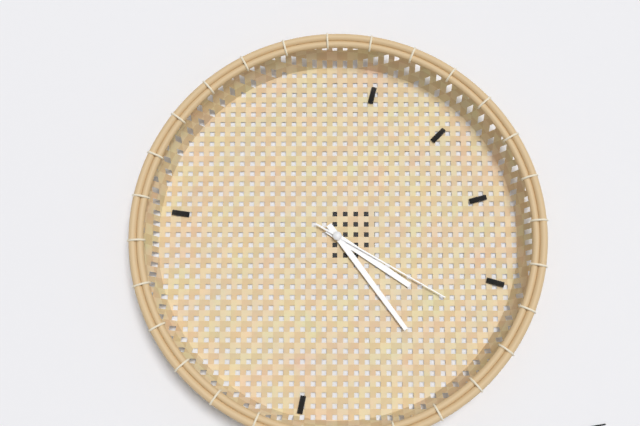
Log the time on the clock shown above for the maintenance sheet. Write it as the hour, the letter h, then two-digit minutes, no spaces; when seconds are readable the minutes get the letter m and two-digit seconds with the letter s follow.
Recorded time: 1h09m05s
